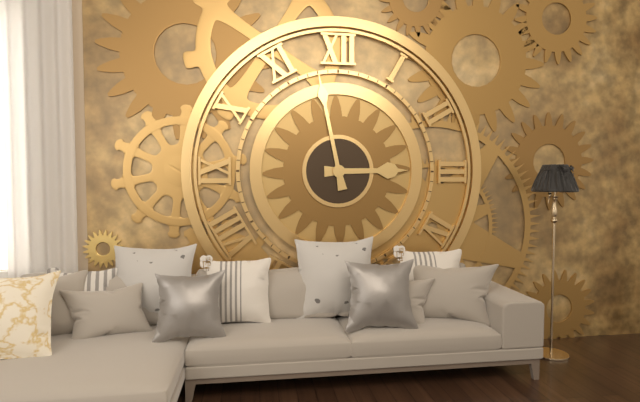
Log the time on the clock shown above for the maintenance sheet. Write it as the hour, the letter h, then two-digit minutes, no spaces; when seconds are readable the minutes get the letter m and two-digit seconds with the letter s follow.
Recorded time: 2h58
